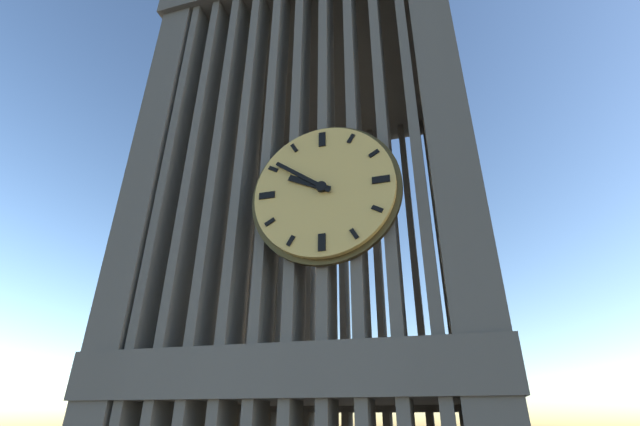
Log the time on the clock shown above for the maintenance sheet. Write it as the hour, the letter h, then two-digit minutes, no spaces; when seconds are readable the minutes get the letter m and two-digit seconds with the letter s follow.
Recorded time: 9h51
